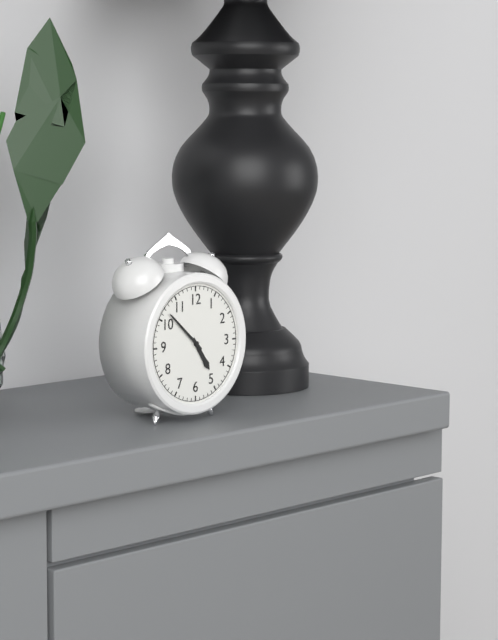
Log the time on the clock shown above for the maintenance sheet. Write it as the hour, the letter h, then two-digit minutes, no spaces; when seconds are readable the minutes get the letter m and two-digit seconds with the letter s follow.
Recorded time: 4h52
